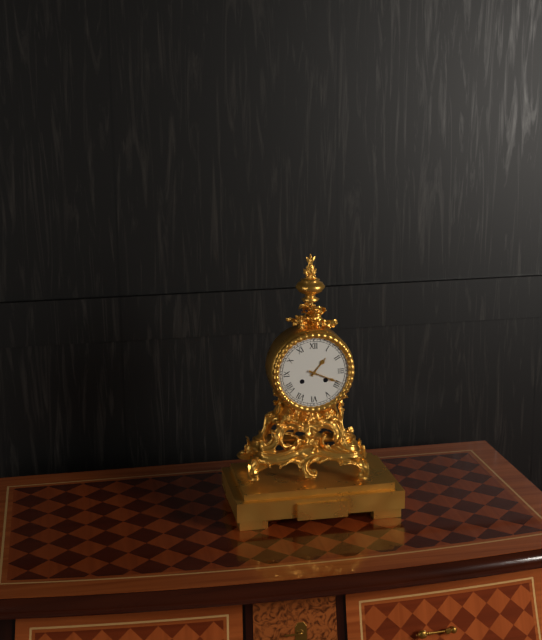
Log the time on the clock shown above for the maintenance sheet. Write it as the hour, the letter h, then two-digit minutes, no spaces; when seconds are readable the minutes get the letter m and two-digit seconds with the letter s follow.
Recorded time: 1h19
